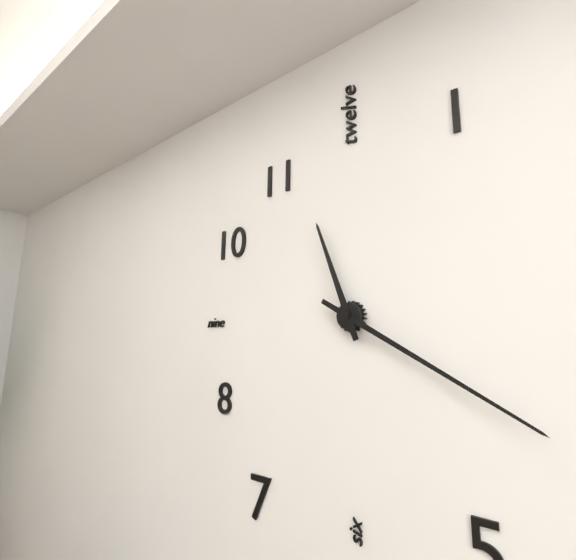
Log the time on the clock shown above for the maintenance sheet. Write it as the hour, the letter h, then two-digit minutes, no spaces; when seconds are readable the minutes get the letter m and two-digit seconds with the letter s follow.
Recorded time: 11h20
